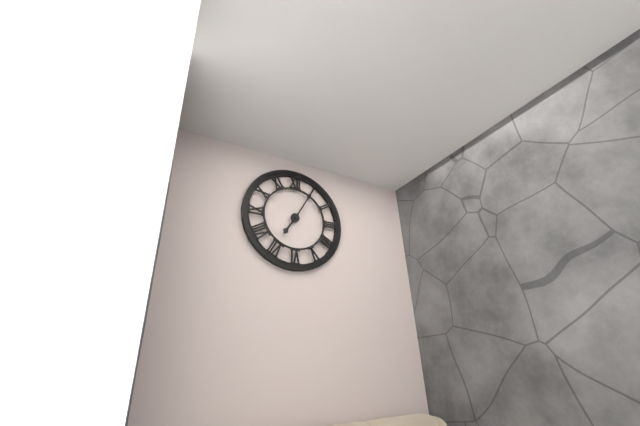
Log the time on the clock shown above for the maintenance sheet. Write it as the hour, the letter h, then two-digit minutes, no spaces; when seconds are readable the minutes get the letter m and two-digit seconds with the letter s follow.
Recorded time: 7h05
